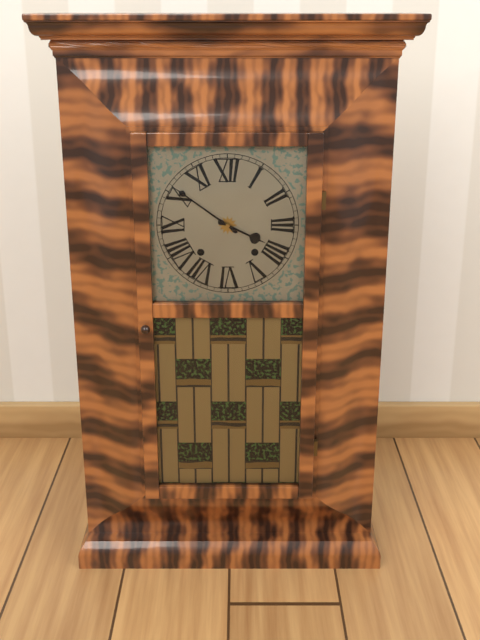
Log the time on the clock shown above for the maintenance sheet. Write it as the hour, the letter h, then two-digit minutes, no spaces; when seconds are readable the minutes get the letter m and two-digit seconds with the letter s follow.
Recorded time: 3h51
